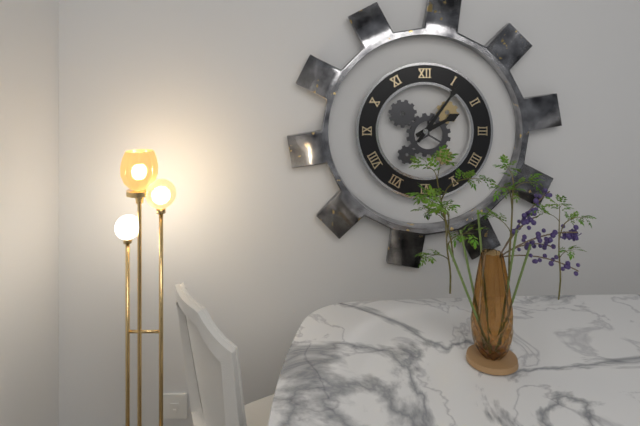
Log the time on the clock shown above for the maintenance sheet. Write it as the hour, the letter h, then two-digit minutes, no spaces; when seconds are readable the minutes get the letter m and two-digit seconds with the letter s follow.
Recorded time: 2h06
